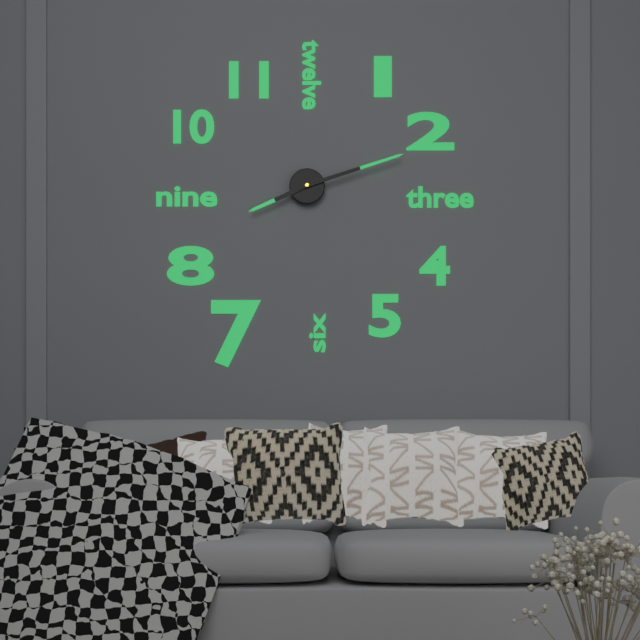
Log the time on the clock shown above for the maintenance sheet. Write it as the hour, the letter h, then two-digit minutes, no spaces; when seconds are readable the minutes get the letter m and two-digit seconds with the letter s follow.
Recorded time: 8h12
